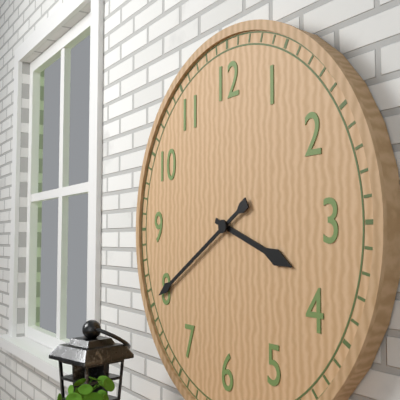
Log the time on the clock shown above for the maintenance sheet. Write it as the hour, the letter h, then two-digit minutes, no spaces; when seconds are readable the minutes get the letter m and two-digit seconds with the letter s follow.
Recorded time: 3h40
